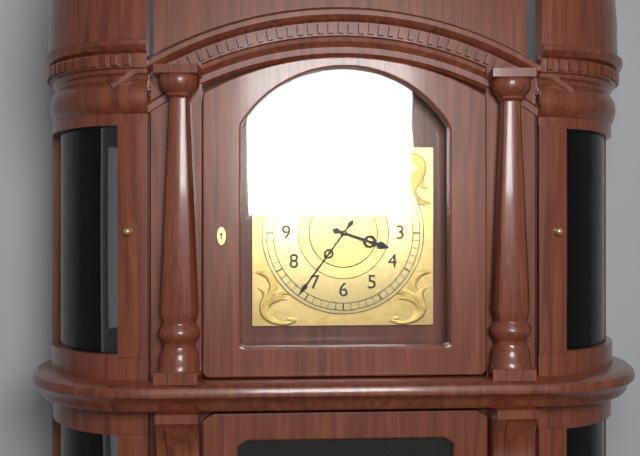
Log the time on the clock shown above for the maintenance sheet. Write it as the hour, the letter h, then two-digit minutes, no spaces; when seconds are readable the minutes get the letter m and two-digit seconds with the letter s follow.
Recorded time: 3h36
